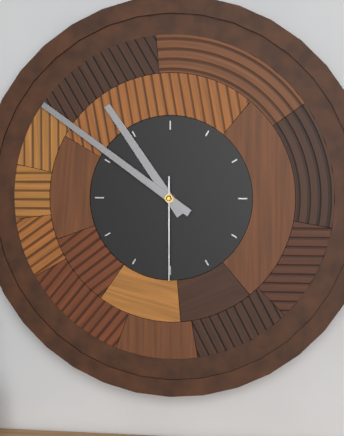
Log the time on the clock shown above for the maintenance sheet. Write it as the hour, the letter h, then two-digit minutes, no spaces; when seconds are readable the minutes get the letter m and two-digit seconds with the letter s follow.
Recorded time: 10h51m30s
